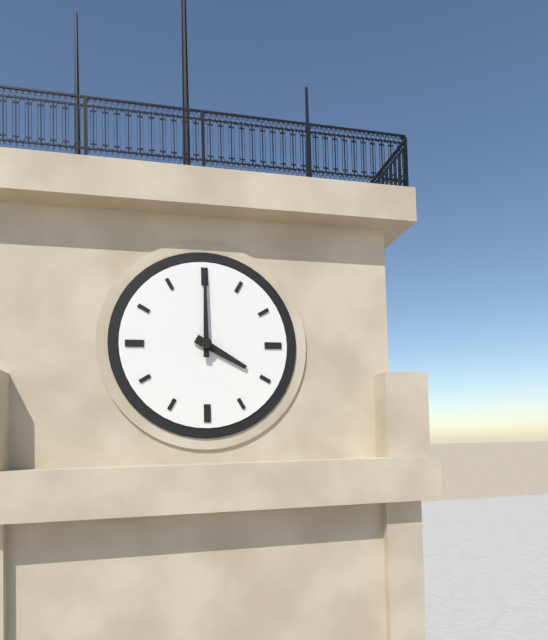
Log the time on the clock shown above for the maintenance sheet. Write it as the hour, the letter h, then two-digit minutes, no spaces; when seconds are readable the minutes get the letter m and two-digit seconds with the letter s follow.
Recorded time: 4h00
